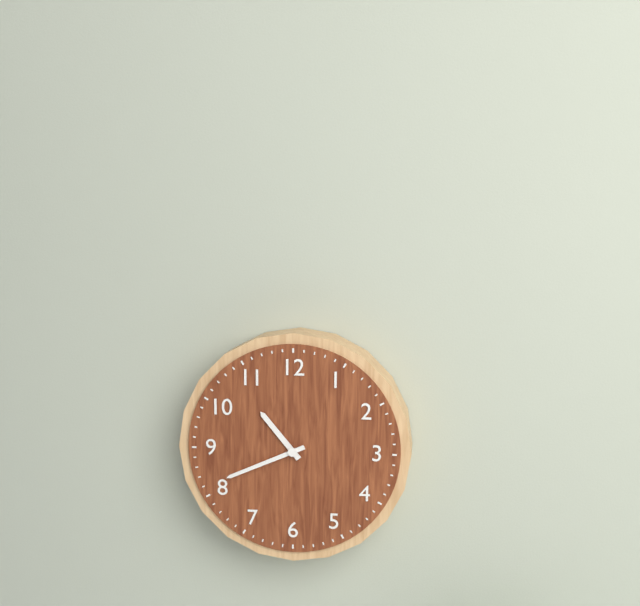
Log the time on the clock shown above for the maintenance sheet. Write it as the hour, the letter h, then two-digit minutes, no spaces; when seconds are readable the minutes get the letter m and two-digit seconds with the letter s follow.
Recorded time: 10h41
